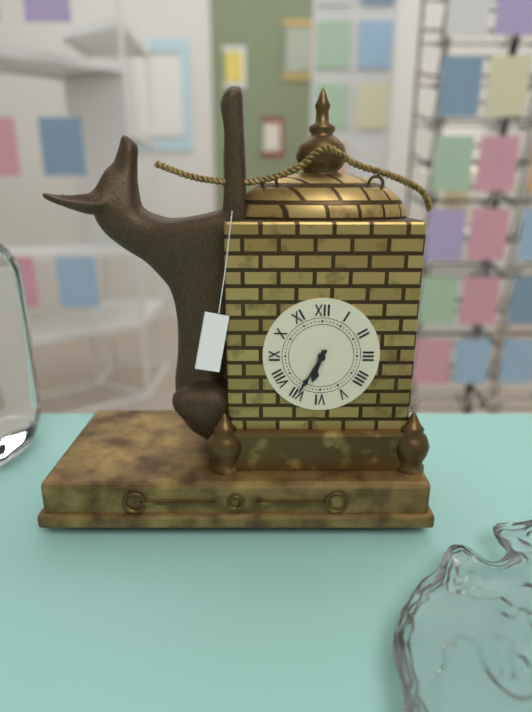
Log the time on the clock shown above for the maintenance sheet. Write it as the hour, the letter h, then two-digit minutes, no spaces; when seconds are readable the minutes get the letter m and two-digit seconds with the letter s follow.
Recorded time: 6h35
